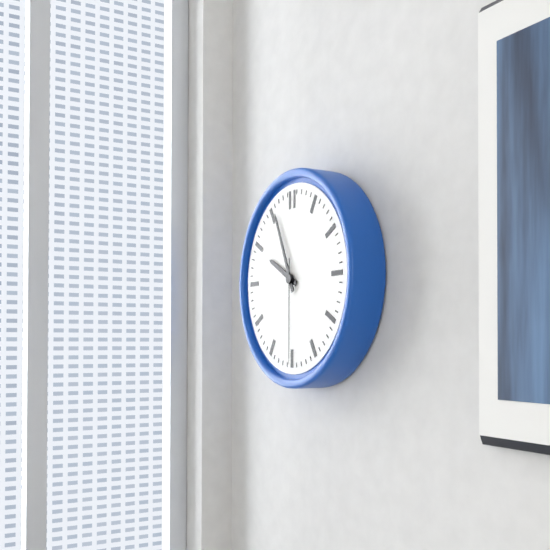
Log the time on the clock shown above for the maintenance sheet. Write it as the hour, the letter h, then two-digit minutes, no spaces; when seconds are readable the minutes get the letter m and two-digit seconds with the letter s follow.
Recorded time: 9h56m30s
